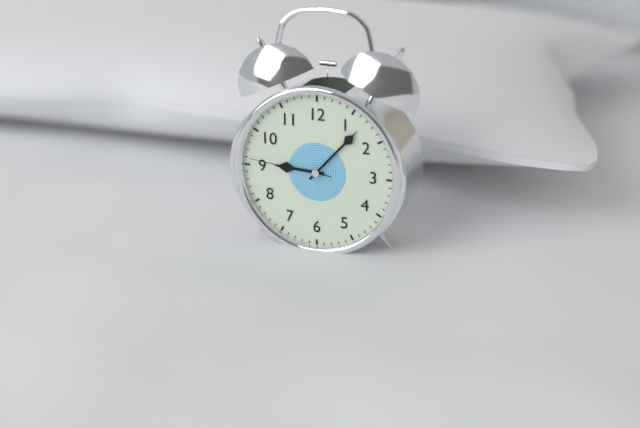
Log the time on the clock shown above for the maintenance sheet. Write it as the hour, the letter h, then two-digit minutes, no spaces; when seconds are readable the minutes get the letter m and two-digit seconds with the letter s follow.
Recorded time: 9h07m46s
